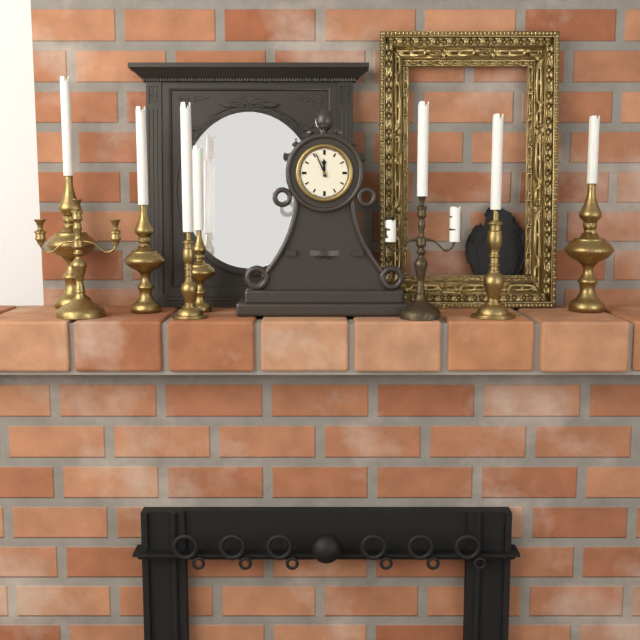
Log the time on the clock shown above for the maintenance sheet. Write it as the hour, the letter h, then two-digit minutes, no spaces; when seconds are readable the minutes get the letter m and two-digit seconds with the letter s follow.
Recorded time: 11h56
